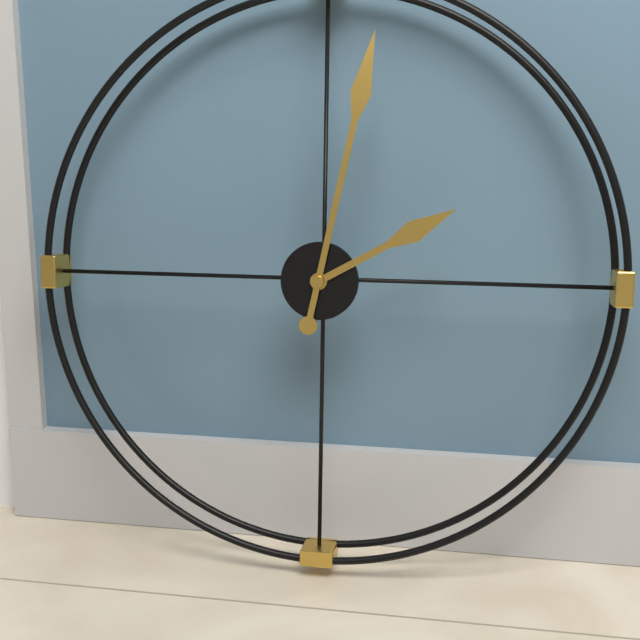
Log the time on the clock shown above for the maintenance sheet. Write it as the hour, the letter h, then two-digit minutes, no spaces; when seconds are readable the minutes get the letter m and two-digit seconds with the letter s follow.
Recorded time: 2h02
